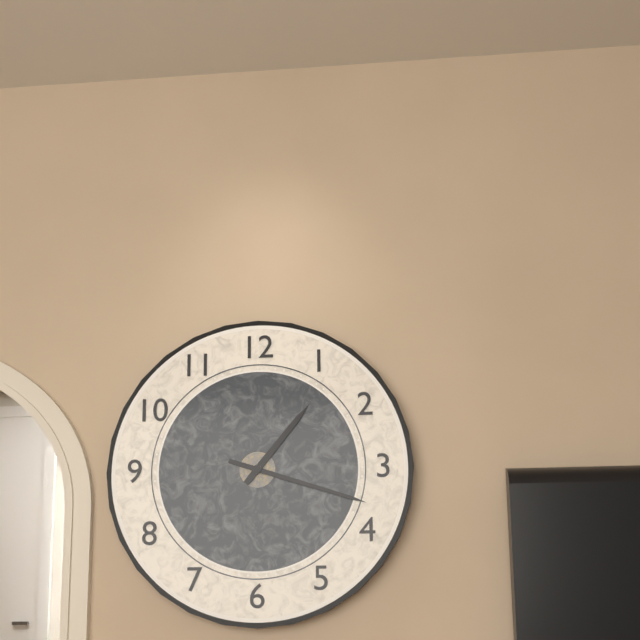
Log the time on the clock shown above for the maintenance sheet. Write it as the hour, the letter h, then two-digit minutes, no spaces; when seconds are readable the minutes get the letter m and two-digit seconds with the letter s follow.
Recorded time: 1h18
